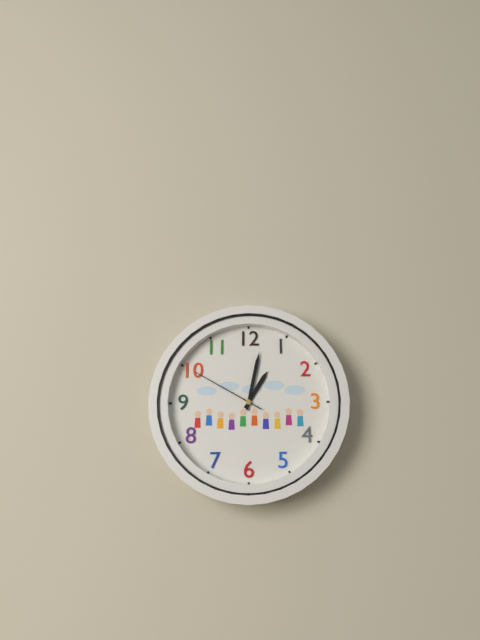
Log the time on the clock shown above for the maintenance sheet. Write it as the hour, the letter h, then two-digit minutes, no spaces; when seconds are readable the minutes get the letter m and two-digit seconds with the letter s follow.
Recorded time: 1h02m50s
